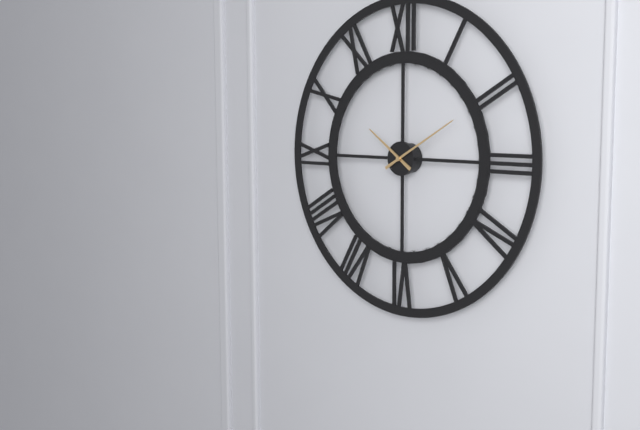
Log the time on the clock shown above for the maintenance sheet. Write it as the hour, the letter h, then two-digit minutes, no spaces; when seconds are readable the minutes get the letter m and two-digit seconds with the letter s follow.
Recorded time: 10h10
